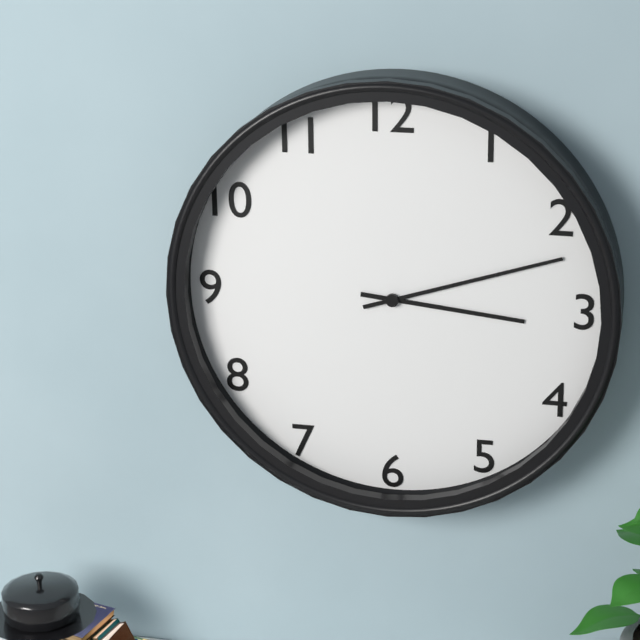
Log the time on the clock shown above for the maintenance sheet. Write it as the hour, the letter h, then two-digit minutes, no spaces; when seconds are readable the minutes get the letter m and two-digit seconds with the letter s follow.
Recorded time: 3h12
